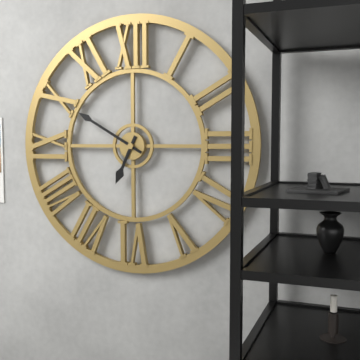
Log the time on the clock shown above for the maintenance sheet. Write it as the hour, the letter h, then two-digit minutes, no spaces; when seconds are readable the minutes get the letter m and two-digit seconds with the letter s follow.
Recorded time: 6h50
